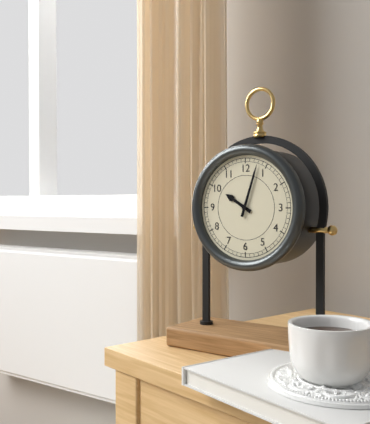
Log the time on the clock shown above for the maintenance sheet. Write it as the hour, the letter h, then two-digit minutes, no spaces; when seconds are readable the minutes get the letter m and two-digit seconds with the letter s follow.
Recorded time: 10h03
